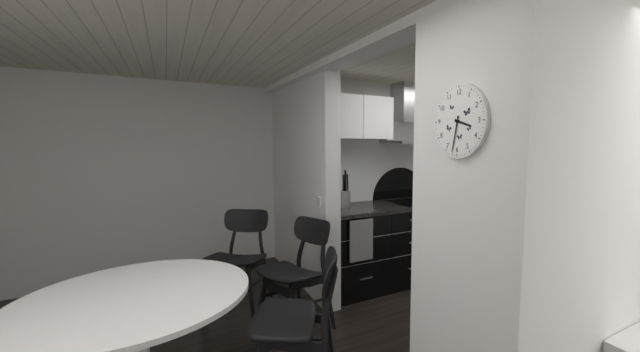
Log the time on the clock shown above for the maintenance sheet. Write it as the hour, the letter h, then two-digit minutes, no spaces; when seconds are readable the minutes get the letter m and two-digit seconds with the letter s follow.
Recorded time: 3h32
